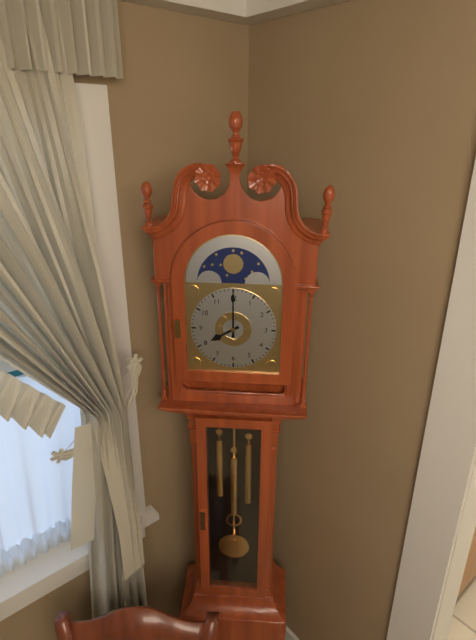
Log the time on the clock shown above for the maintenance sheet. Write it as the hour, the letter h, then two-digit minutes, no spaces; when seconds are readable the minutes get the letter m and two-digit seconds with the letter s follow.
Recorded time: 8h00
